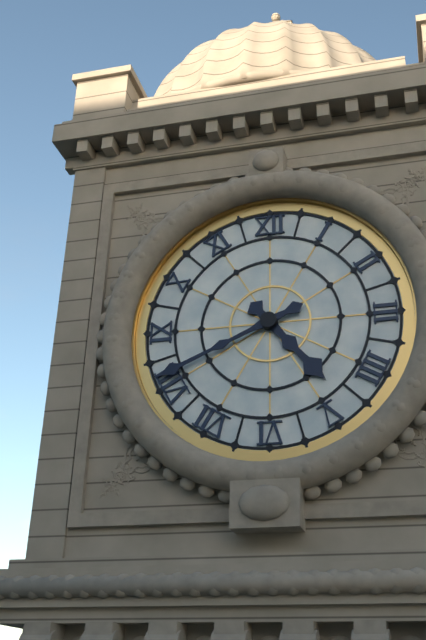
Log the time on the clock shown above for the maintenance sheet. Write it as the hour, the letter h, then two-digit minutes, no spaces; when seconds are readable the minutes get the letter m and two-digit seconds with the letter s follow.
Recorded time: 4h41
